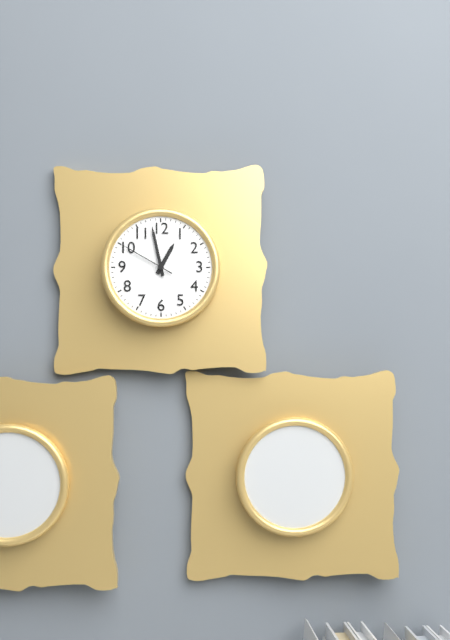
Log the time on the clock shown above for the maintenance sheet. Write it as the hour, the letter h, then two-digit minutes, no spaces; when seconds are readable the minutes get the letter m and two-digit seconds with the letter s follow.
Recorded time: 12h58m50s
